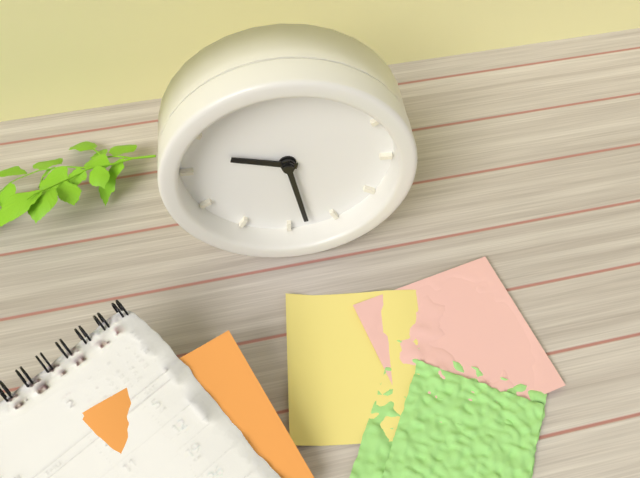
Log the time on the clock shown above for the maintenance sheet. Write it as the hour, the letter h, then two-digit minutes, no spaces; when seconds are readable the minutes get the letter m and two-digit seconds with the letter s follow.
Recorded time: 9h28
